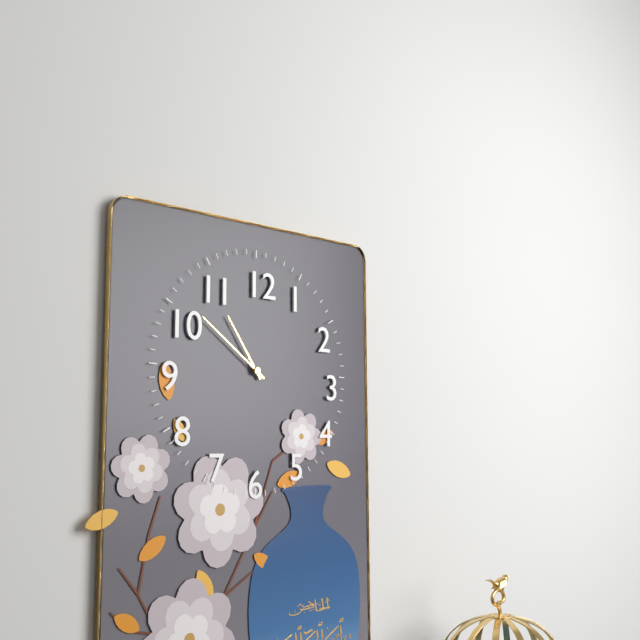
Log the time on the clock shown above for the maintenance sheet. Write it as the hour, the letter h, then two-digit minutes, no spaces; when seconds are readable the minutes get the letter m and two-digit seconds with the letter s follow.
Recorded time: 10h51
